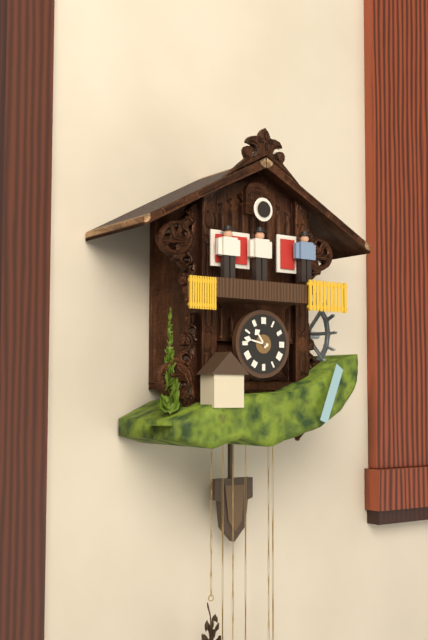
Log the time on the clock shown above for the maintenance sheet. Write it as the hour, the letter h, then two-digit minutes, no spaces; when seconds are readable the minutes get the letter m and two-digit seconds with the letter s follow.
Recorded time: 10h47
